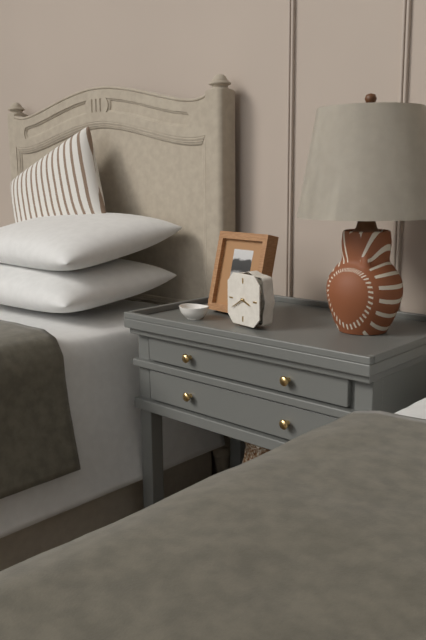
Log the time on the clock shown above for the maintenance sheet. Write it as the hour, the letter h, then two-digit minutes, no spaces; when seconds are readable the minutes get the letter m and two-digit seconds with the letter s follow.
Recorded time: 3h40
